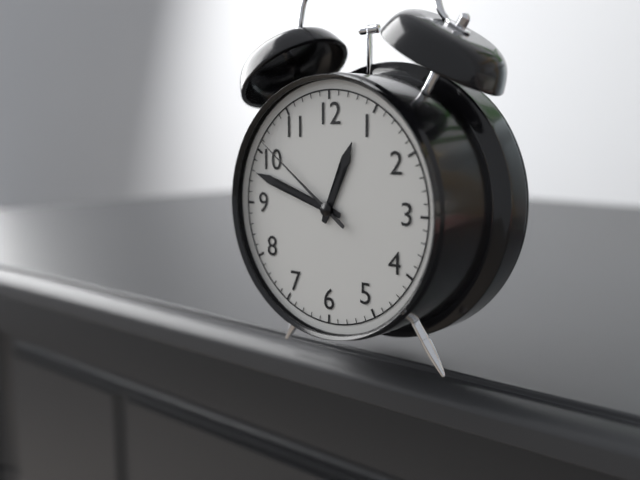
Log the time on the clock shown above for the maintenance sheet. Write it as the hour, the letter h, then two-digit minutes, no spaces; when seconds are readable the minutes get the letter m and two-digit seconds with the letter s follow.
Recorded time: 12h48m51s
